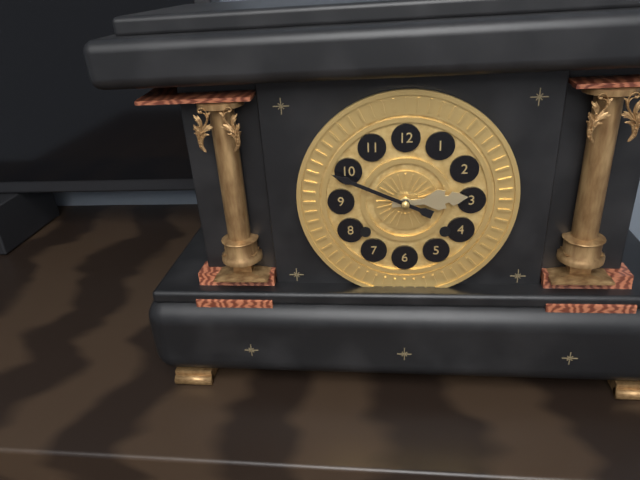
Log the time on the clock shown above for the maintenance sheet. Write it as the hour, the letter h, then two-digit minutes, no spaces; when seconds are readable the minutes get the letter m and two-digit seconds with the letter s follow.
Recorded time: 2h49
